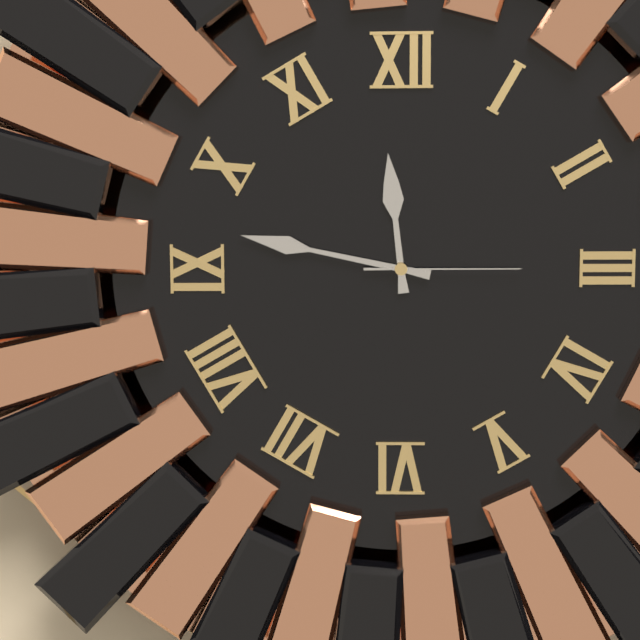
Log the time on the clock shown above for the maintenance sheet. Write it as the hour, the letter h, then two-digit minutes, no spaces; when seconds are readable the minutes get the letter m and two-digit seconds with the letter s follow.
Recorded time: 11h47m15s
